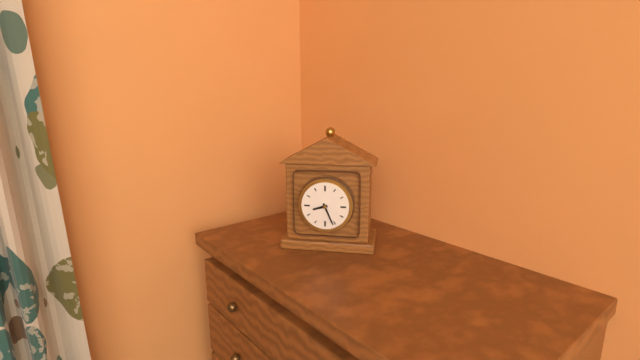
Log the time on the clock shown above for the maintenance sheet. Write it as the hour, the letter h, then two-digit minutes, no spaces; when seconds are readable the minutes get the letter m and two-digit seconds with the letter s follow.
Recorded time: 8h26
